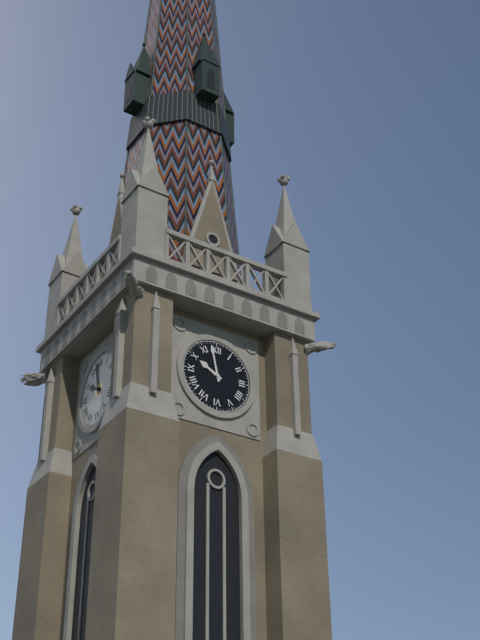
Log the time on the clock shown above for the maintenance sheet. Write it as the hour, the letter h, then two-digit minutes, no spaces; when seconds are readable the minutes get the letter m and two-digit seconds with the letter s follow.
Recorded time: 9h58
